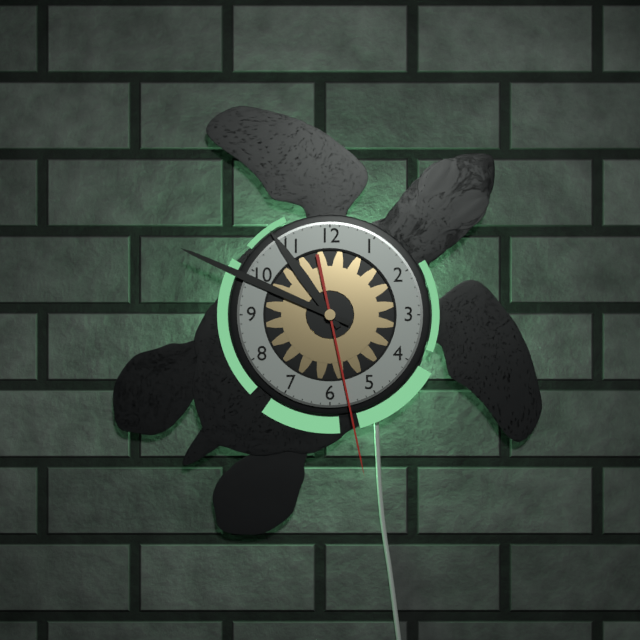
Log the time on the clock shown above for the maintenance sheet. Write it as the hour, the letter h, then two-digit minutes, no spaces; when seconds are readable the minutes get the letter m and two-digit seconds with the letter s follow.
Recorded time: 10h49m28s
